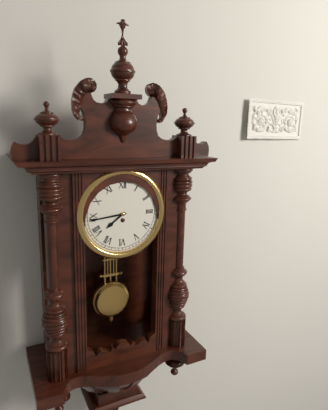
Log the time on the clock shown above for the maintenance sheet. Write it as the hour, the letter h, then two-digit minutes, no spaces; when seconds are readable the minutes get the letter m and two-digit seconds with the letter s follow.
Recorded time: 7h44
